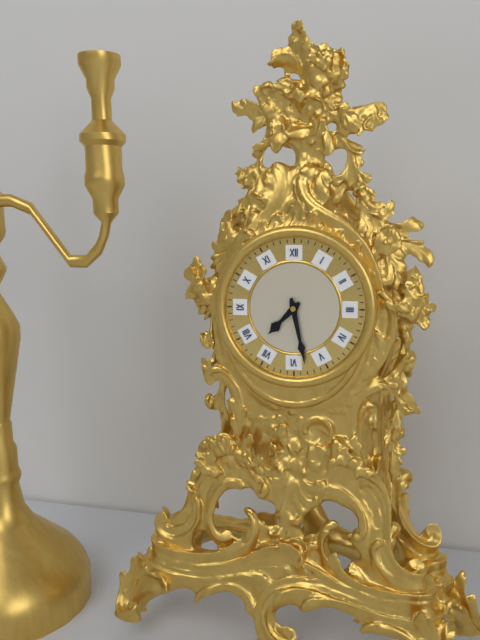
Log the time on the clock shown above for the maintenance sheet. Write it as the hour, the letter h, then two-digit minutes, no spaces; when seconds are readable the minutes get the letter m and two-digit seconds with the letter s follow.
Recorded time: 7h28
